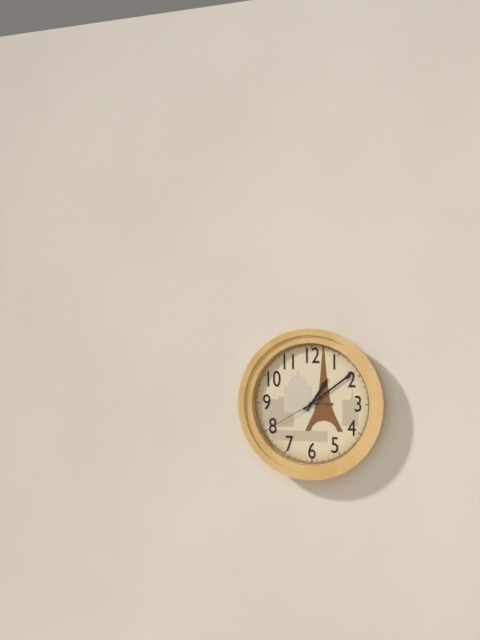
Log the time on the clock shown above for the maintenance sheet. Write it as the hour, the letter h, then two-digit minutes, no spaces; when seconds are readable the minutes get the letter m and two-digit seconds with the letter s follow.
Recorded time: 1h09m40s
